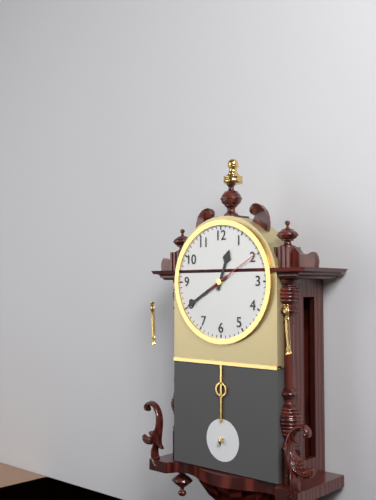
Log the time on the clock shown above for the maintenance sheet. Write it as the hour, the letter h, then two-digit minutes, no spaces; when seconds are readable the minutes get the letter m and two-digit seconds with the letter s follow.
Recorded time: 12h40m10s
